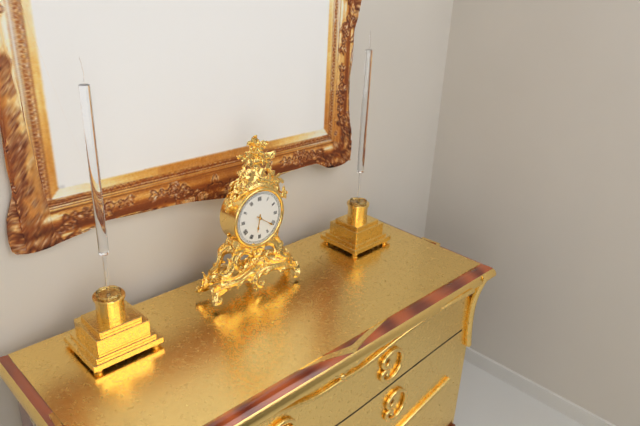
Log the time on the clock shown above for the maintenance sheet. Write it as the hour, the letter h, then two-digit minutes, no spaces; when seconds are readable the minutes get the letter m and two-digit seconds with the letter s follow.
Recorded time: 6h21
